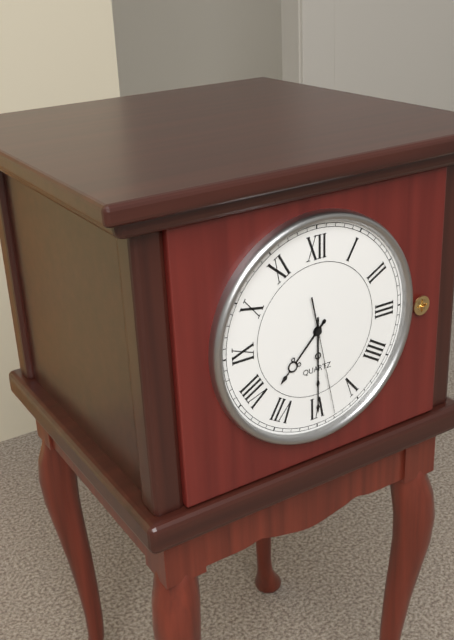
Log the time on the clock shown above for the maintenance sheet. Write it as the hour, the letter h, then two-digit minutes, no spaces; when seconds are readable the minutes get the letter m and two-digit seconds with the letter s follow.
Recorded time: 7h30m28s
